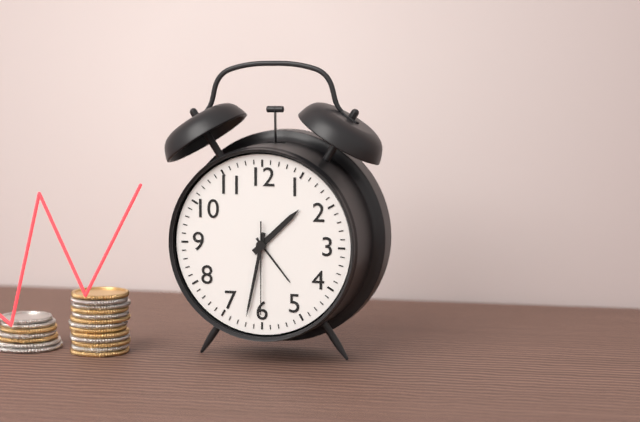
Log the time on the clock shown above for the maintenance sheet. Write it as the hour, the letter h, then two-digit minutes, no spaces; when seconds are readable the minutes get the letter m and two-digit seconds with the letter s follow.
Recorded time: 1h32m30s
